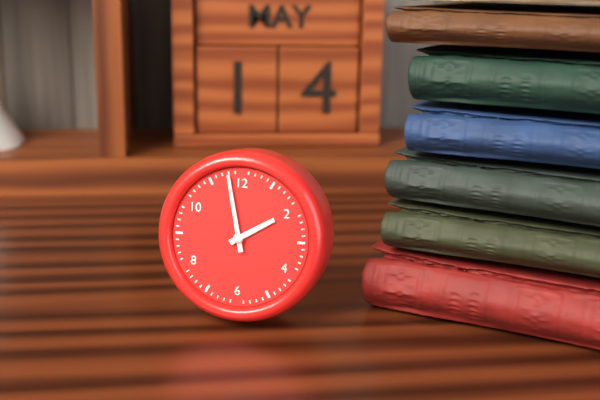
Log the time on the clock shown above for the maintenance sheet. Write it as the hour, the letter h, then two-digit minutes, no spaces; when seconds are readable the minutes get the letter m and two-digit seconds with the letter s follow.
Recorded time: 1h58
